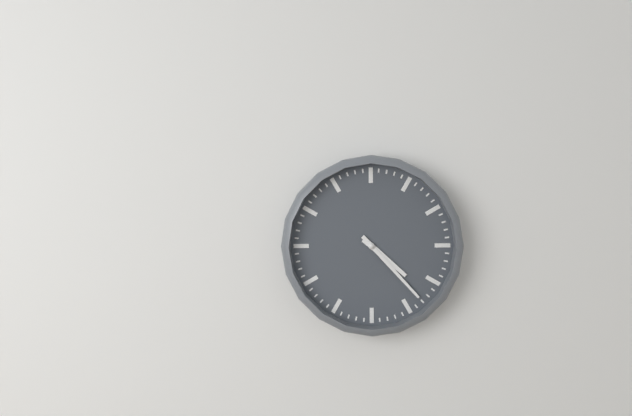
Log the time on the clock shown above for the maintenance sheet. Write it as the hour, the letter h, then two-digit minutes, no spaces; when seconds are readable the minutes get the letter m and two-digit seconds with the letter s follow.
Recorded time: 4h23
